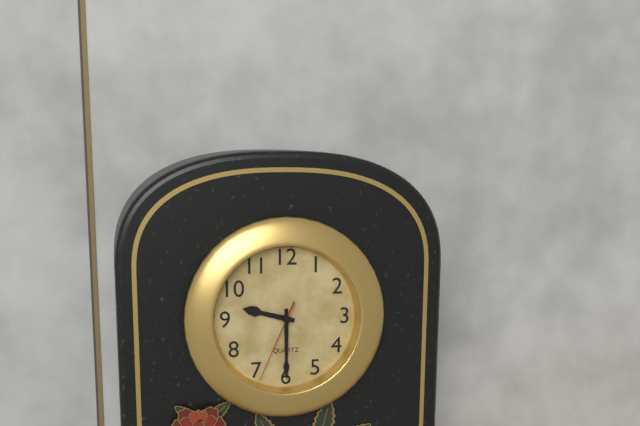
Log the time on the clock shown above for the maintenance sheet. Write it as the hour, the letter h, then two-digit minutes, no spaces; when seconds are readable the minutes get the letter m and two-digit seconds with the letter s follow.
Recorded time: 9h30m34s
